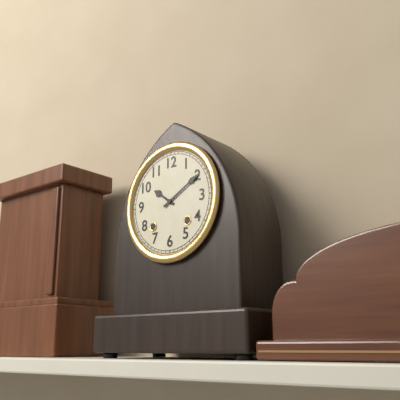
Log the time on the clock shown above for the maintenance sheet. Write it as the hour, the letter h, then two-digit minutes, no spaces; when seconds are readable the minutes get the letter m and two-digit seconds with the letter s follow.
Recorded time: 10h10
